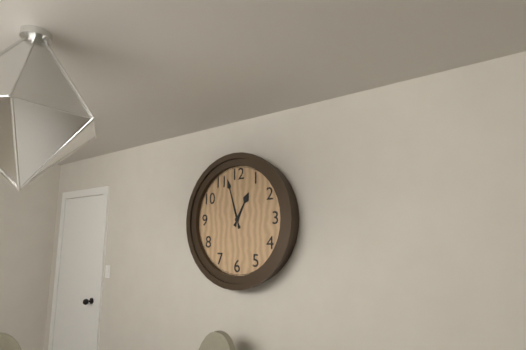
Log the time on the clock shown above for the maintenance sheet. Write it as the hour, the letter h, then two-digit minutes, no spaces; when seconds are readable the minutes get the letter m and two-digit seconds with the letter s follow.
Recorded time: 12h57
